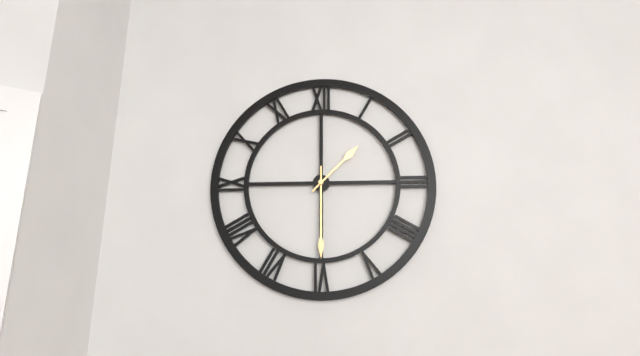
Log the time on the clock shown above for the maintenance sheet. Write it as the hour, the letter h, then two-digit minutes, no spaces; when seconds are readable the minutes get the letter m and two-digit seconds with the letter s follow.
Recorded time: 1h30
